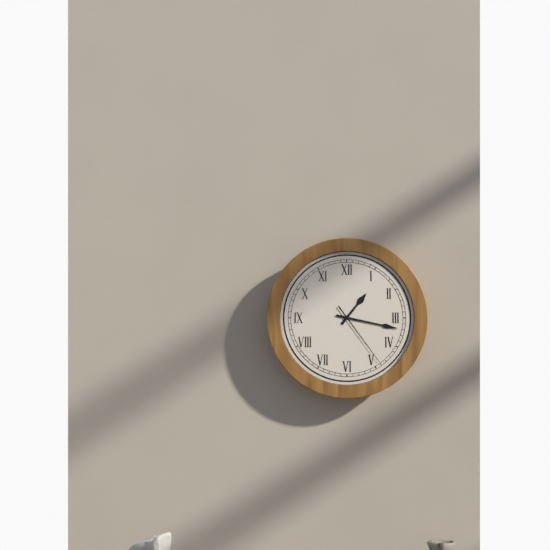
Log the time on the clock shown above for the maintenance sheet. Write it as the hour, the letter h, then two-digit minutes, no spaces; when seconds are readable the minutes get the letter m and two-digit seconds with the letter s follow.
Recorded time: 1h17m24s
